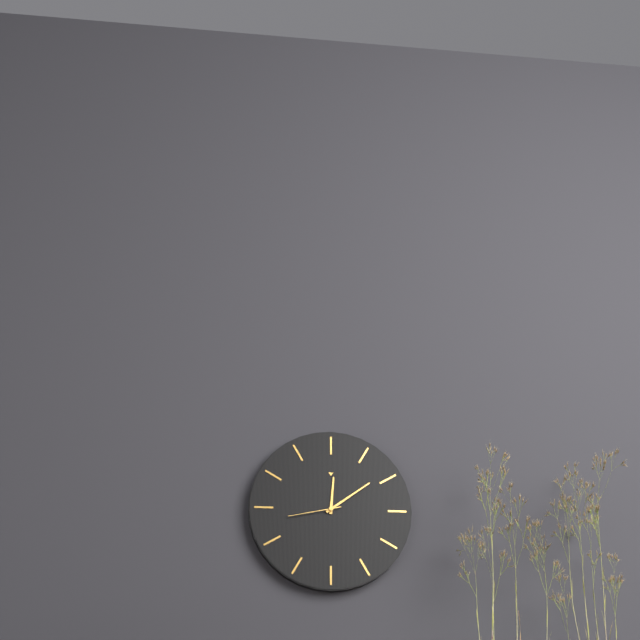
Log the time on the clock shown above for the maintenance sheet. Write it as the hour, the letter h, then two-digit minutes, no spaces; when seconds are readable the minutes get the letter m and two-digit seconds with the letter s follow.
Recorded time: 12h09m43s
